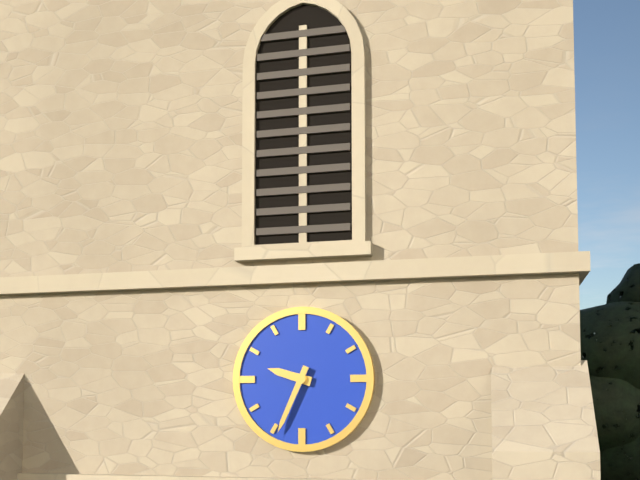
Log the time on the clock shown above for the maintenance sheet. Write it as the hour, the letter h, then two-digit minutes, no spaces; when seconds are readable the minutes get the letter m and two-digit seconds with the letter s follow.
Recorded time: 9h34
